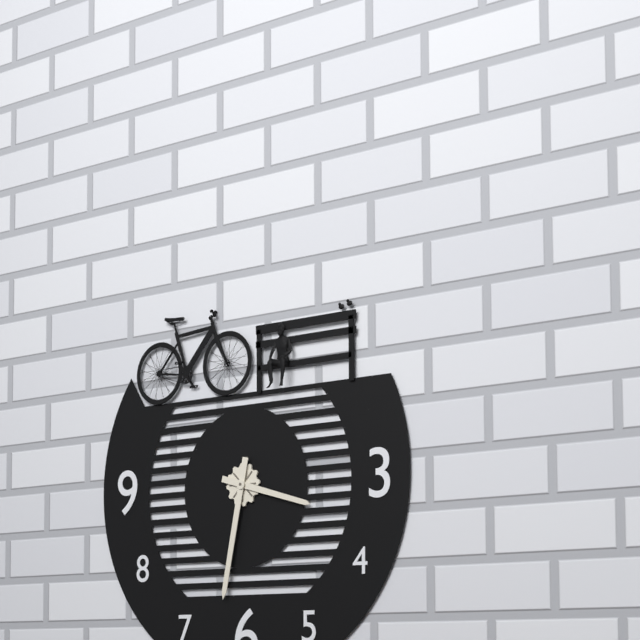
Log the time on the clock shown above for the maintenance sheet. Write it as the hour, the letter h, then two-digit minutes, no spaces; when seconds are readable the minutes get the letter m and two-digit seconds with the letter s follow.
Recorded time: 3h32
